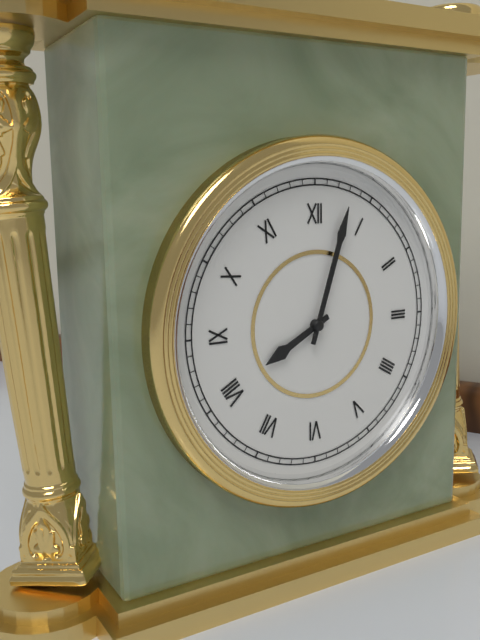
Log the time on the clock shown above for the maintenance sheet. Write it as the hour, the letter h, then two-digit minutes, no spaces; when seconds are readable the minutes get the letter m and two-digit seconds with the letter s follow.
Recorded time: 8h03
